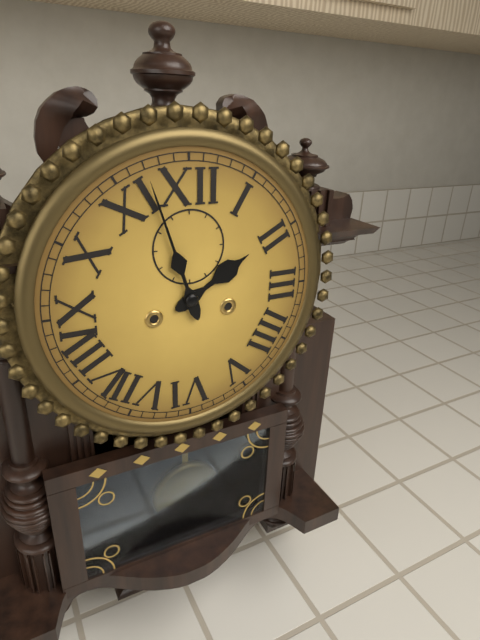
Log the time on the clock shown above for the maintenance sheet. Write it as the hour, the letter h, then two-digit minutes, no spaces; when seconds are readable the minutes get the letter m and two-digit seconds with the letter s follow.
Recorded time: 1h57
